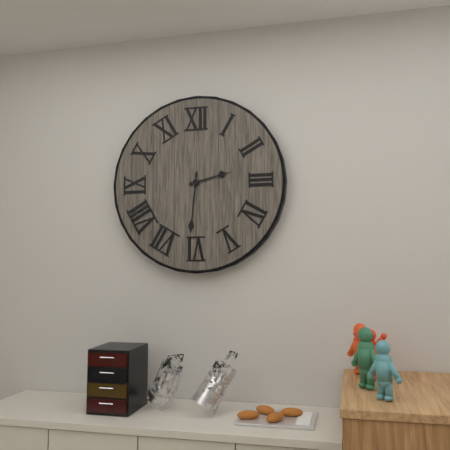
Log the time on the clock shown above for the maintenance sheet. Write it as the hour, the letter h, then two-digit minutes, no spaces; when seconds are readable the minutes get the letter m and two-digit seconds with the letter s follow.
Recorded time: 2h31
